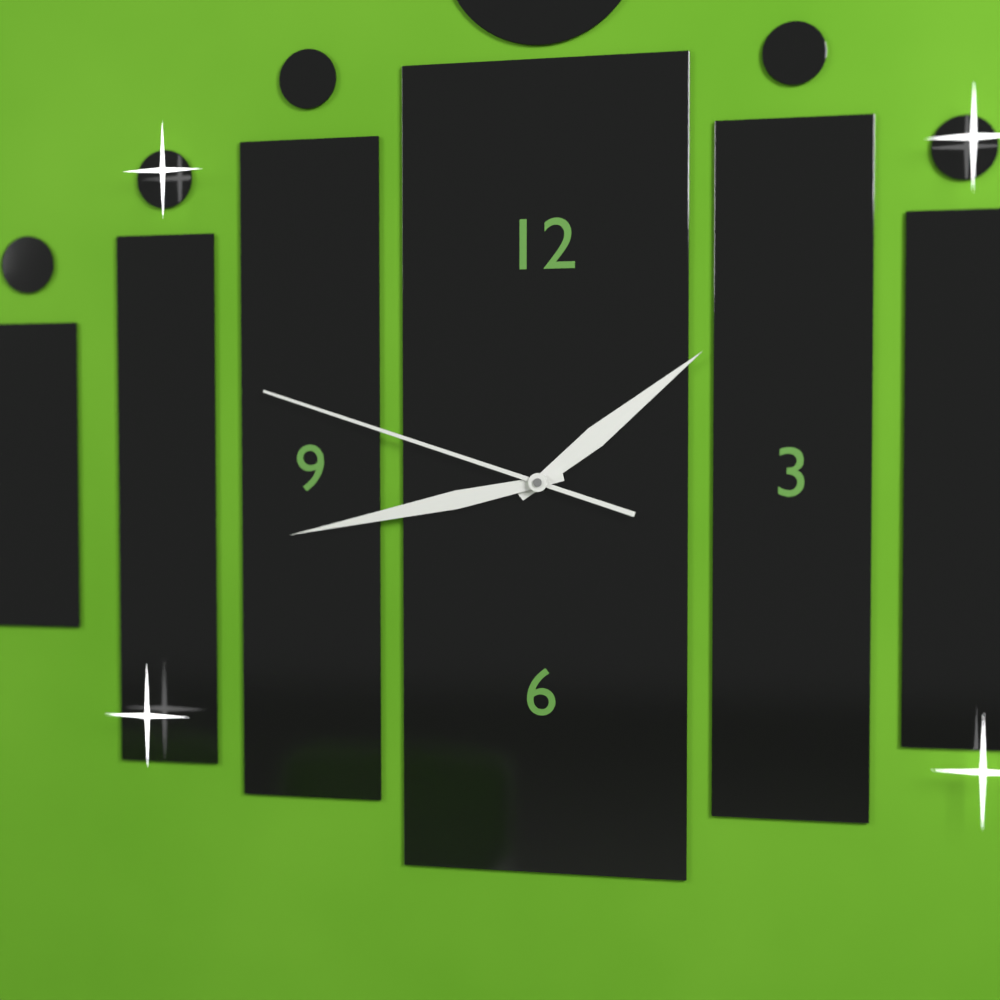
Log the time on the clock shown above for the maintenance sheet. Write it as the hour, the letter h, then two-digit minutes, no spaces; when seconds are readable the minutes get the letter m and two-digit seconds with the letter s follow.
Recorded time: 1h43m48s
